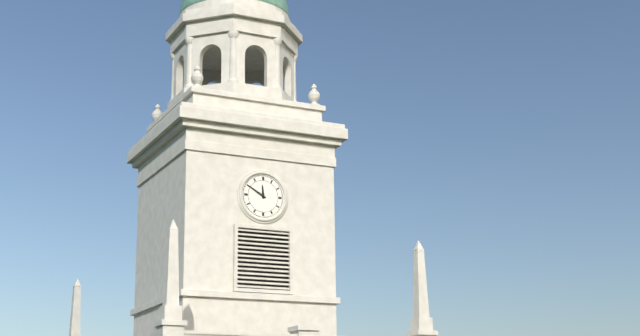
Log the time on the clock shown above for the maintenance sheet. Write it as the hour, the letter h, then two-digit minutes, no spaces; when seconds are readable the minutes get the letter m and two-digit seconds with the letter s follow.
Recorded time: 11h50
